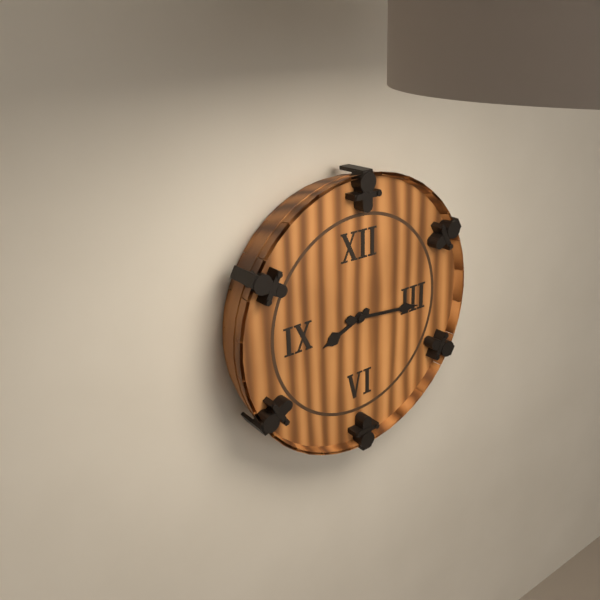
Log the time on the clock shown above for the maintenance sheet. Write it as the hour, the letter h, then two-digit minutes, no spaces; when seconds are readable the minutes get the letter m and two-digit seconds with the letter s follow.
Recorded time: 8h16
